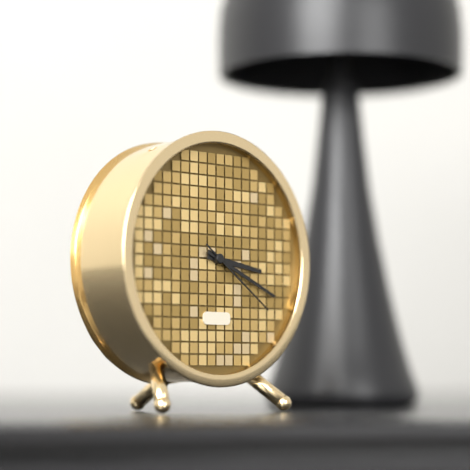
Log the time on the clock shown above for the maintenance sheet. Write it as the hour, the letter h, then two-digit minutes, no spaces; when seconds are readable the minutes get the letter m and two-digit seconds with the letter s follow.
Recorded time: 3h19m21s
